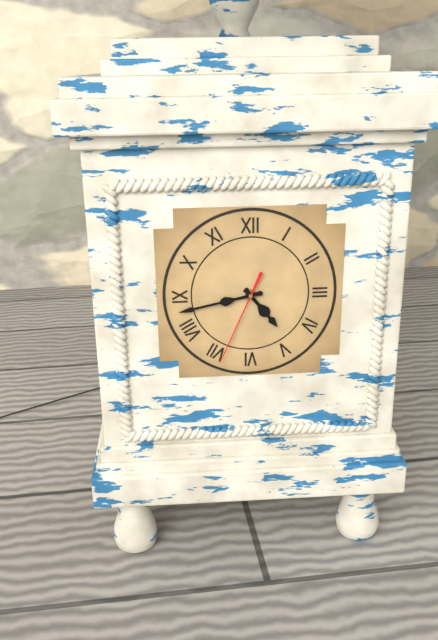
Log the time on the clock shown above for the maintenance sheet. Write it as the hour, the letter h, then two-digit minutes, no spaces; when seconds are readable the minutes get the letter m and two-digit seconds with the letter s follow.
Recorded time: 4h43m34s
